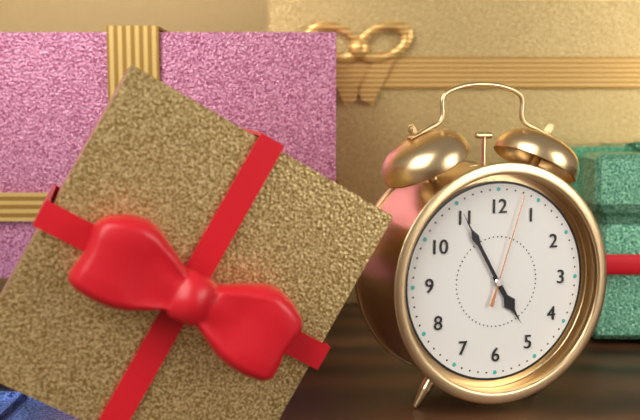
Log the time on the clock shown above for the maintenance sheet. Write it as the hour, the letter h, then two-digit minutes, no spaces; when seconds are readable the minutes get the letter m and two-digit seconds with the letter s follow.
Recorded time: 4h55m03s
